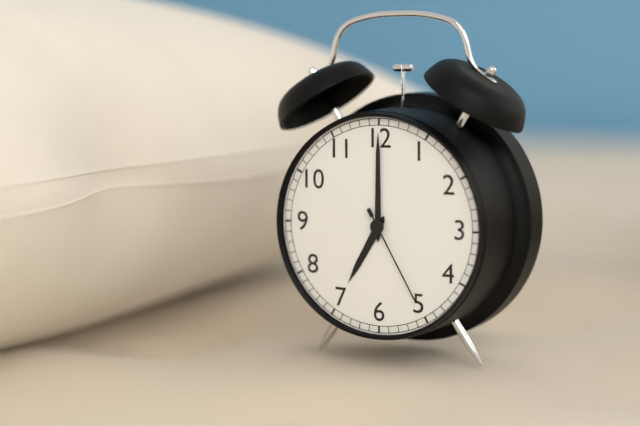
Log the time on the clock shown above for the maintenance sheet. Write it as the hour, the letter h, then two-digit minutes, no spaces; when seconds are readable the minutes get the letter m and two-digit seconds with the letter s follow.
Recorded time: 7h00m25s
